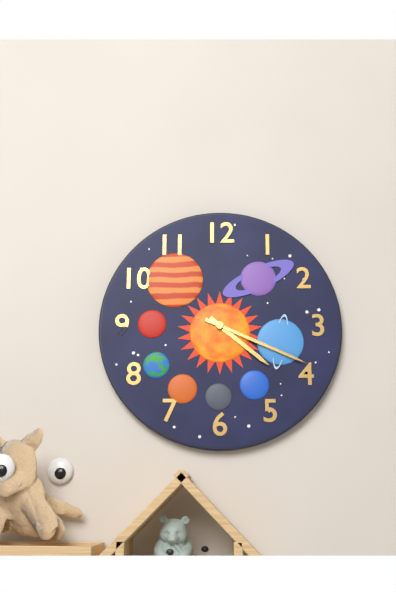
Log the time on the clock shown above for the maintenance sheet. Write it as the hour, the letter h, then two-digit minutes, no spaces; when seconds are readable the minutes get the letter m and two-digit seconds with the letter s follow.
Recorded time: 4h19
